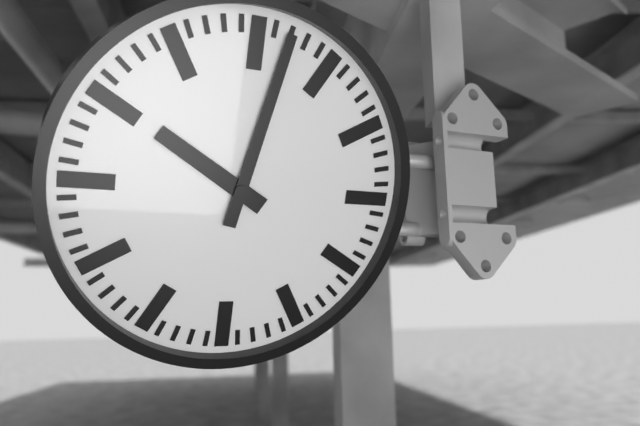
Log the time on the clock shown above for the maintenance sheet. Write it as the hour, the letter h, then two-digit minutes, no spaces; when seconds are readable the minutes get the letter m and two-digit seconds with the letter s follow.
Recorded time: 10h02
